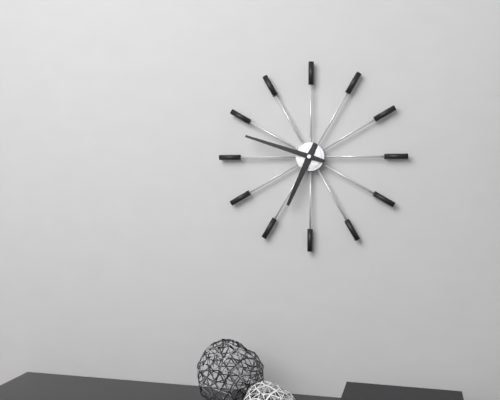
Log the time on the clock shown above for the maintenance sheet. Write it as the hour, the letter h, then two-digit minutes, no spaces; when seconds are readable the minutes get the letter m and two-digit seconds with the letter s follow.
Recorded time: 6h48
